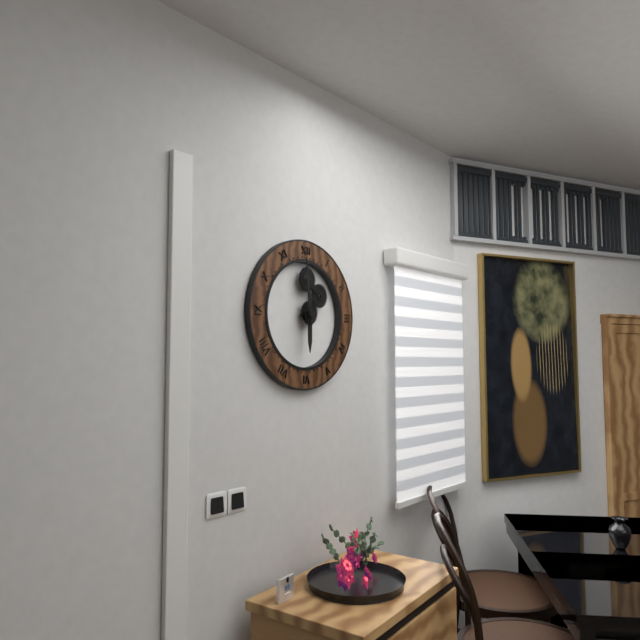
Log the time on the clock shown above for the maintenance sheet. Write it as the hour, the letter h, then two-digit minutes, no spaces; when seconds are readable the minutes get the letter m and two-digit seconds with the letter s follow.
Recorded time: 5h59
